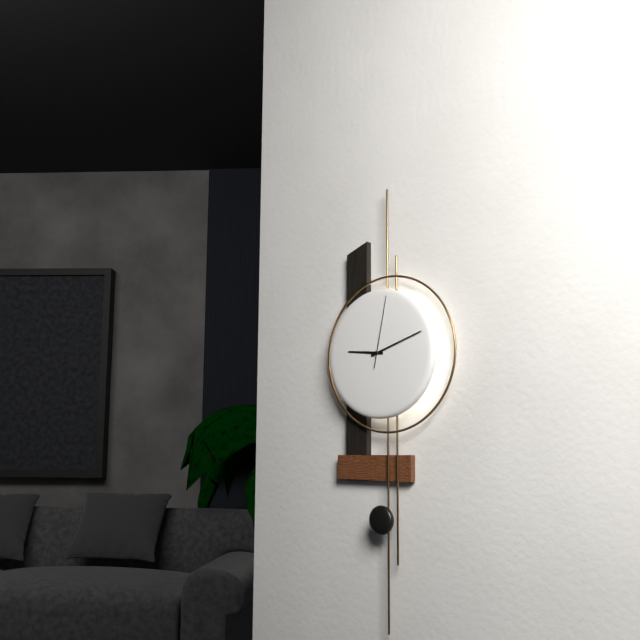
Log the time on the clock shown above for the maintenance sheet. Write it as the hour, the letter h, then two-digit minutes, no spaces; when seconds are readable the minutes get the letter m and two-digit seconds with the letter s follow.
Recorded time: 9h12m02s
